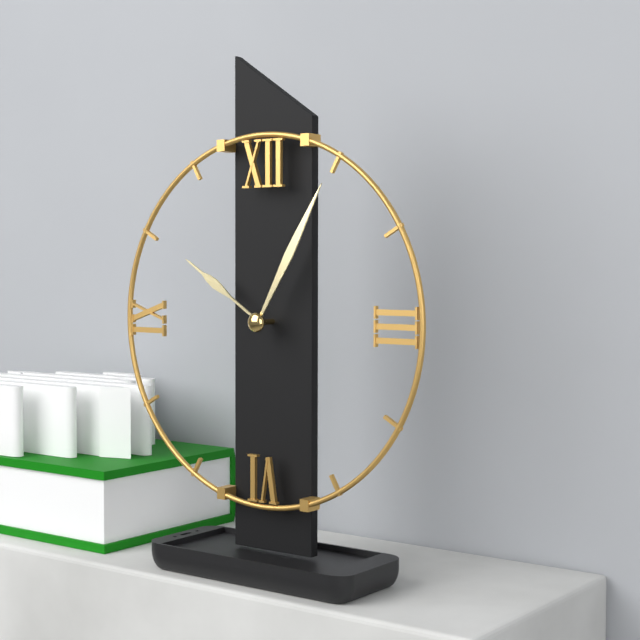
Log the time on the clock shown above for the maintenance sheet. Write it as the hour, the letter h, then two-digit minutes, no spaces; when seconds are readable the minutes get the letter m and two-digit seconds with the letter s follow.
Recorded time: 10h05
